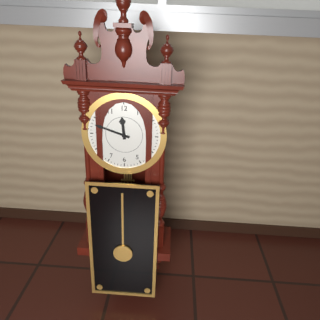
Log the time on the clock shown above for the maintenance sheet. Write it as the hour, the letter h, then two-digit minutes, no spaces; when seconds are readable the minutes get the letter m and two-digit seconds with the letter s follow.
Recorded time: 11h48
